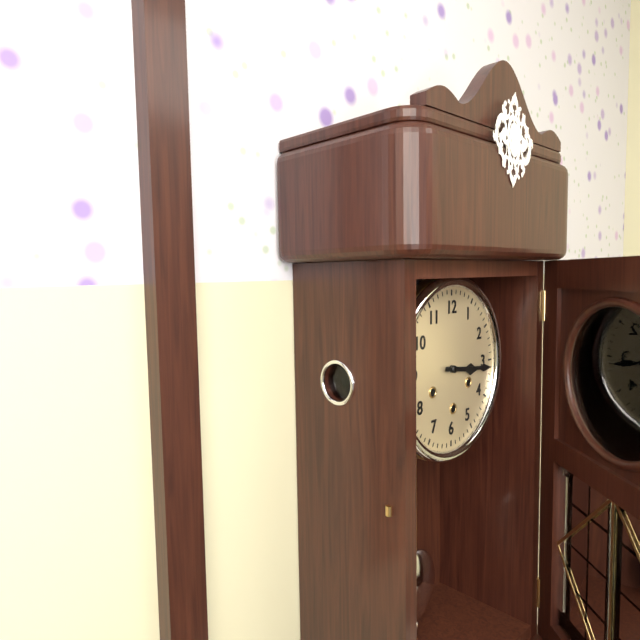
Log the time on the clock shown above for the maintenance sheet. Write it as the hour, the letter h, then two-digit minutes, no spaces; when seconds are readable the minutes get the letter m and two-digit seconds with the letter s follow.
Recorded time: 3h16
